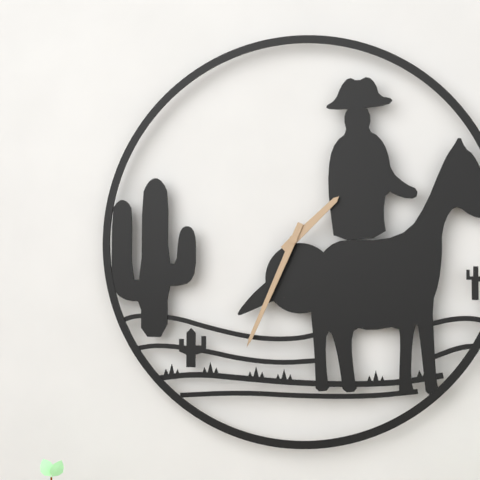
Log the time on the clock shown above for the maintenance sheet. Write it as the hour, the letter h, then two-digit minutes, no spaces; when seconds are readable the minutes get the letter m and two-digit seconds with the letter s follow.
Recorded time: 1h34
